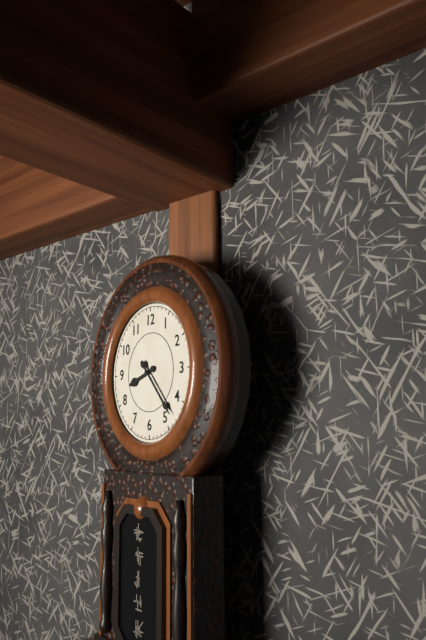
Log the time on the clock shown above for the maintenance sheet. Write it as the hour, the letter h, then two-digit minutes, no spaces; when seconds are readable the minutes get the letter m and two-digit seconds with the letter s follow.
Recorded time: 8h23
